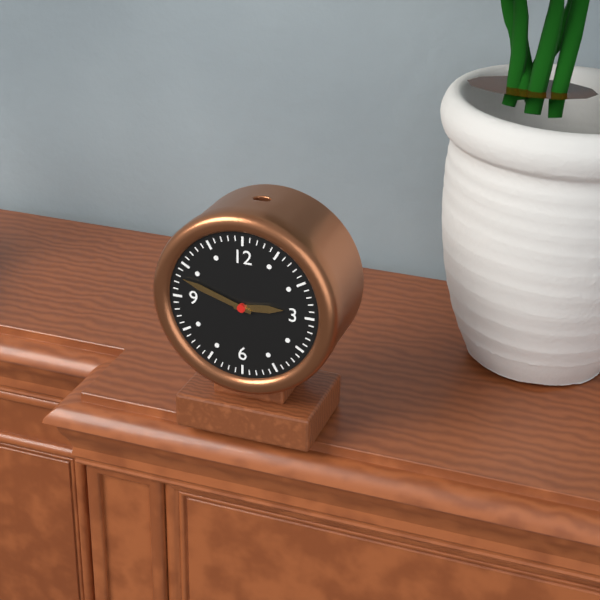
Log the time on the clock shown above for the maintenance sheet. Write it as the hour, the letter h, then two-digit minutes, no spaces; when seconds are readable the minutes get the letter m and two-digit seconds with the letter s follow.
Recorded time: 2h48
